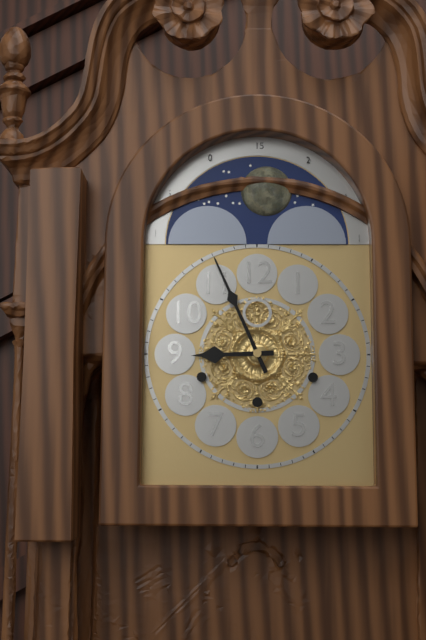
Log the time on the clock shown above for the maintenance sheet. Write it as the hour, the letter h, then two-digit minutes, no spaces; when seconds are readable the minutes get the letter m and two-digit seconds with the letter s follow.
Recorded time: 8h56
